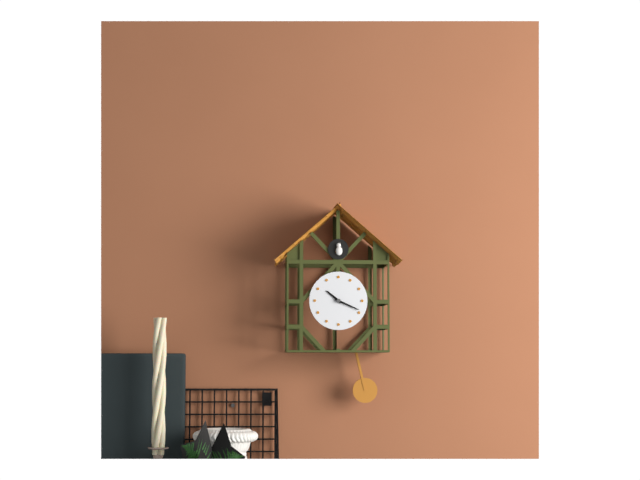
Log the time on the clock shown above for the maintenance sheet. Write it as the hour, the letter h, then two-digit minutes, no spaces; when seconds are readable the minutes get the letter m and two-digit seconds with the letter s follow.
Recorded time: 10h19
